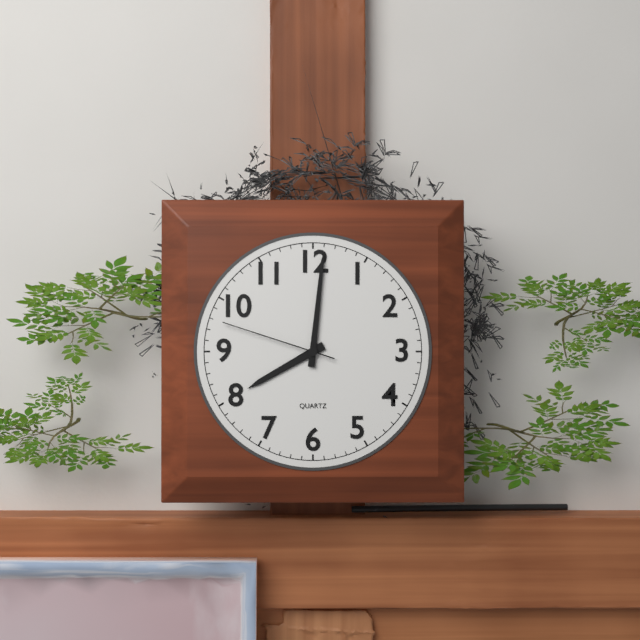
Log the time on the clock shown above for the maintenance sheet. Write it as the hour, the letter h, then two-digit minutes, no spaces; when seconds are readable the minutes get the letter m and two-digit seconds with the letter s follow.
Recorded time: 8h01m48s
